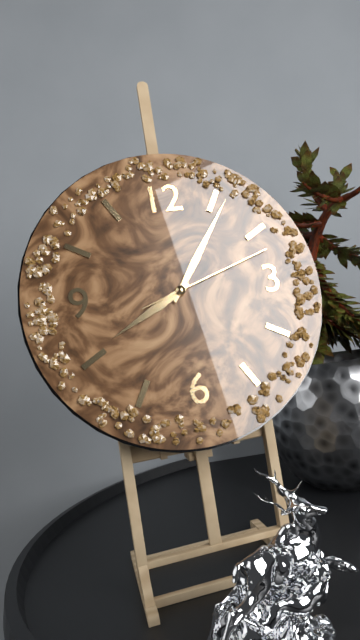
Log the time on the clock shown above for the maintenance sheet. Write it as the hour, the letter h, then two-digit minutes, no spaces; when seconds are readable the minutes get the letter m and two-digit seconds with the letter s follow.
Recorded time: 8h06m12s
